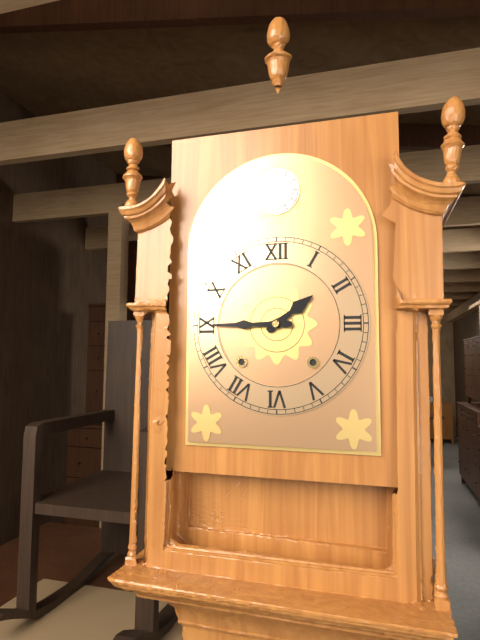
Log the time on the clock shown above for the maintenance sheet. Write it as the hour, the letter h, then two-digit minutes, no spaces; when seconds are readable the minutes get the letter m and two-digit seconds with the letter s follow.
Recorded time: 1h45
